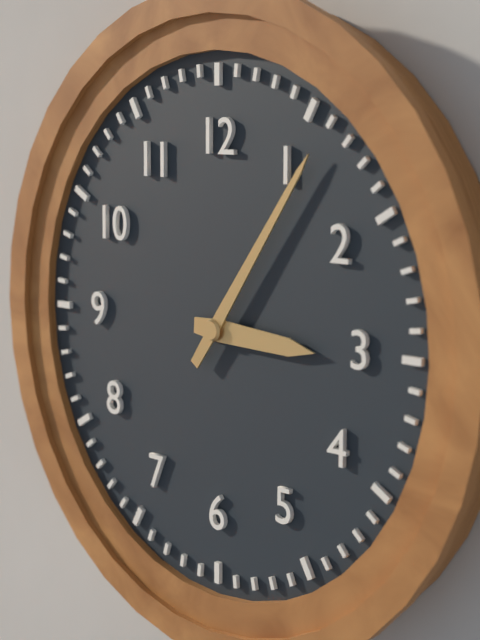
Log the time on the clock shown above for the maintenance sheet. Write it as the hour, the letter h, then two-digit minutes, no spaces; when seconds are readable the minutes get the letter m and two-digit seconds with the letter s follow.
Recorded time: 3h06
